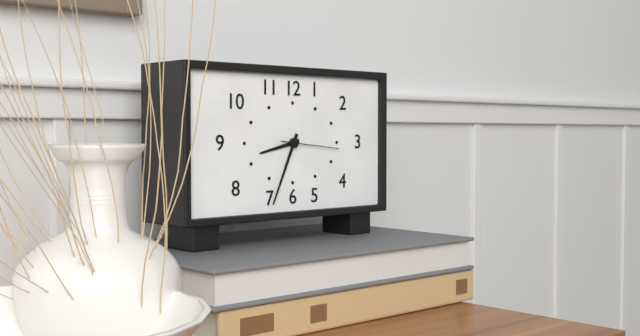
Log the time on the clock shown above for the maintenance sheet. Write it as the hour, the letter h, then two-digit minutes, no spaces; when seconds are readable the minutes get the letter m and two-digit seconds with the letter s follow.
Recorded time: 8h34m16s
